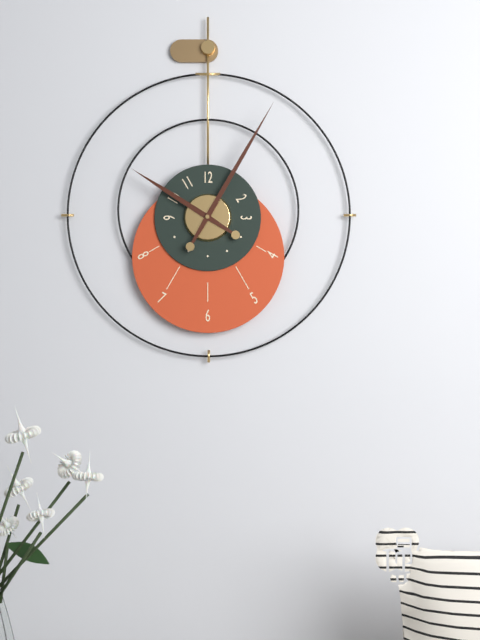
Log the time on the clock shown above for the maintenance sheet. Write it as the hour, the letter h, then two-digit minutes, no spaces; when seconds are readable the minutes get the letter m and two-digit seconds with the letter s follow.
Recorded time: 10h05
